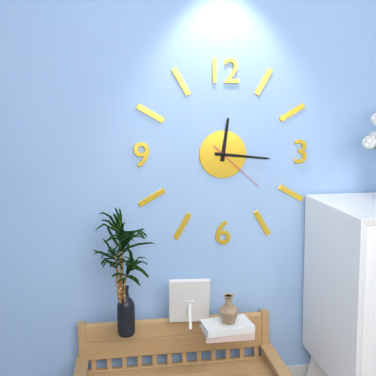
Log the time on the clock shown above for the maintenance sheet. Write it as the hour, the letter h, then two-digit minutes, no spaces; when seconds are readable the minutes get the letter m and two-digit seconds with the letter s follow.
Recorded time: 12h16m22s
